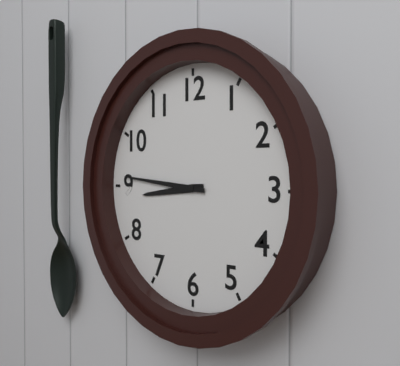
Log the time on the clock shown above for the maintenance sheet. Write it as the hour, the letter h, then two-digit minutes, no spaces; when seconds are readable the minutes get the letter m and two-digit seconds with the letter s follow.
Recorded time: 8h46
